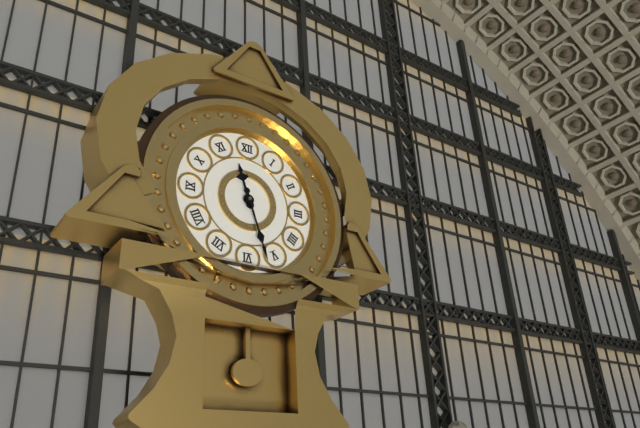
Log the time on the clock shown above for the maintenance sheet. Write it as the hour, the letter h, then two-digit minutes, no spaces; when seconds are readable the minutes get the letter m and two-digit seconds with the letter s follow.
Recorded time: 11h27
